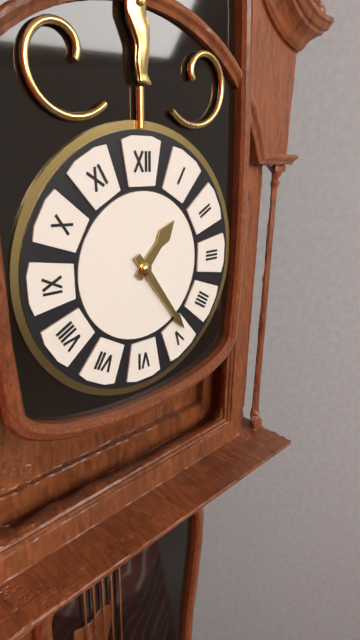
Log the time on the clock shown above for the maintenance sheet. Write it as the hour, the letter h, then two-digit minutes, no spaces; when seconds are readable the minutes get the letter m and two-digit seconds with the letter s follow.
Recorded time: 1h24
